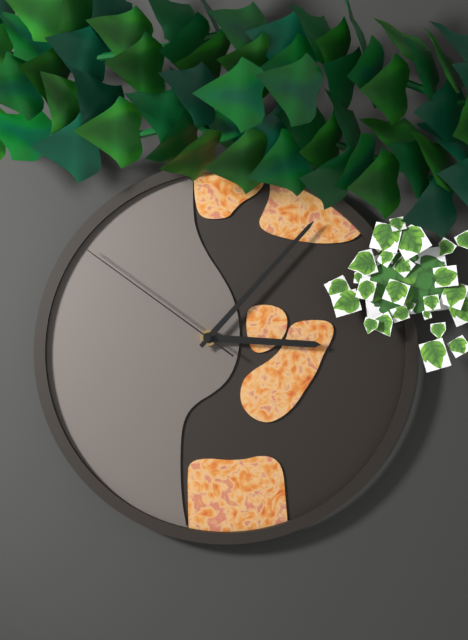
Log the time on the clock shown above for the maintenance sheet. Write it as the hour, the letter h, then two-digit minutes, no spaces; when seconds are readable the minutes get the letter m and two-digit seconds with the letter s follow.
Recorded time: 3h07m51s
